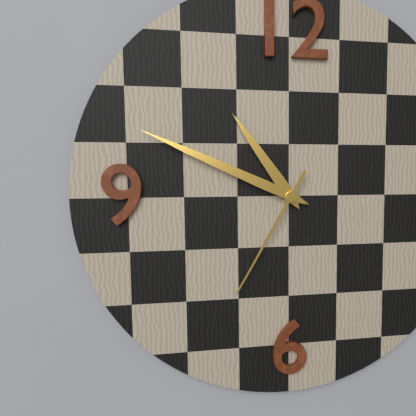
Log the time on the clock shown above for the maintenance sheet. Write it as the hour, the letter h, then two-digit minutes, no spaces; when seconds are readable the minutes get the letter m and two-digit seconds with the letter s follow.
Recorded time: 10h49m35s
